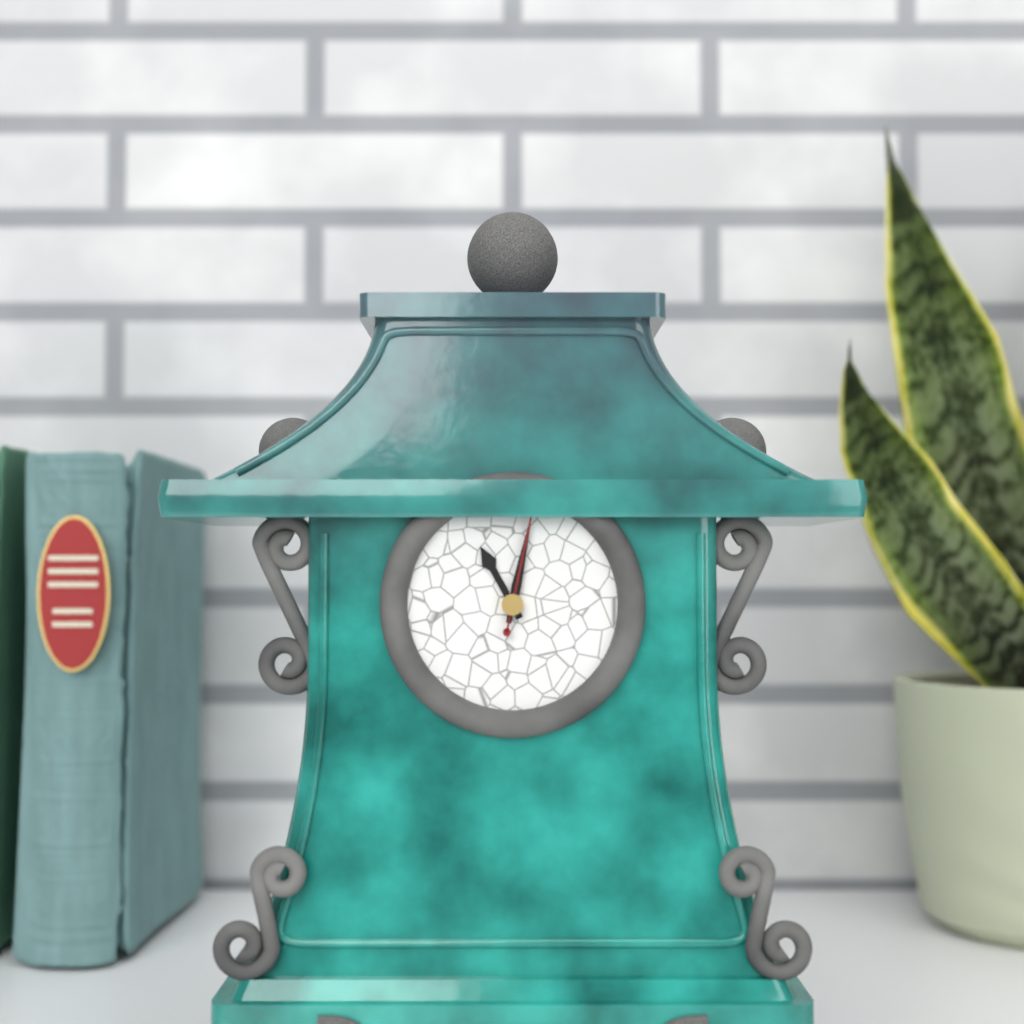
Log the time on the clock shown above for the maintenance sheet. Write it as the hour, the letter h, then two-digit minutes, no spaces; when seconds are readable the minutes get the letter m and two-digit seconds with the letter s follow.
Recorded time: 11h02m02s
